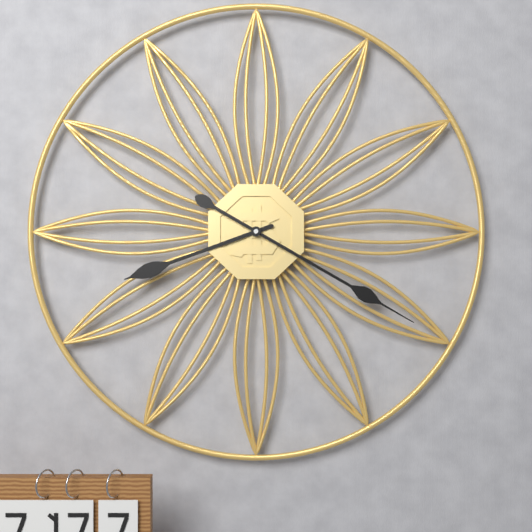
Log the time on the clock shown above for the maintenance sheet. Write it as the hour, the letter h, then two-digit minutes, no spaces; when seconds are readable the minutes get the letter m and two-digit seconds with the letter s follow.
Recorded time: 8h20
